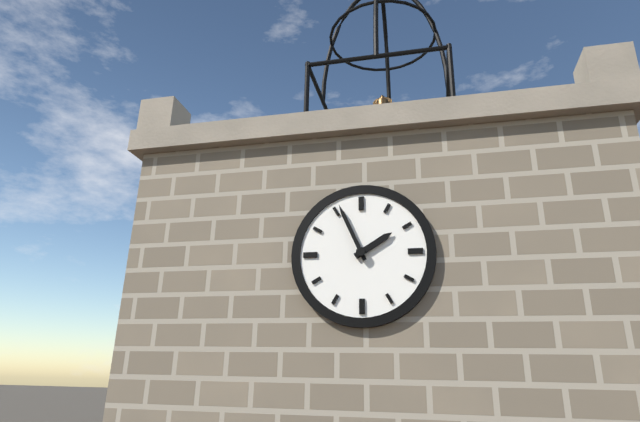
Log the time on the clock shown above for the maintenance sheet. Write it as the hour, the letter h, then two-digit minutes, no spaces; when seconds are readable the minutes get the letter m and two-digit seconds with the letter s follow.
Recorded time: 1h56
